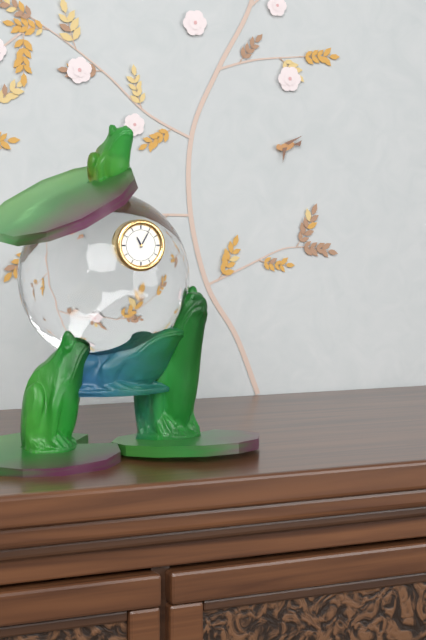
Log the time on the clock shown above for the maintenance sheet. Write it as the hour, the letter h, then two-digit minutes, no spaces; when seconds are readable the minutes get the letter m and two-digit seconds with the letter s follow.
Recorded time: 11h05
